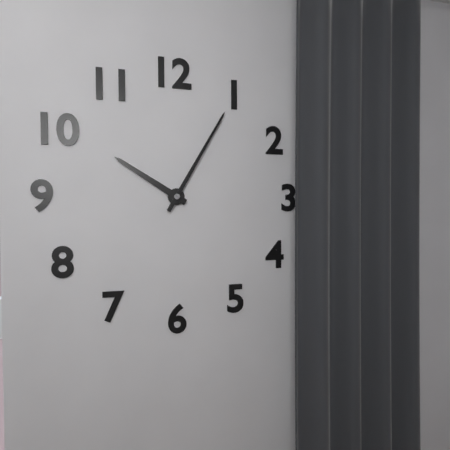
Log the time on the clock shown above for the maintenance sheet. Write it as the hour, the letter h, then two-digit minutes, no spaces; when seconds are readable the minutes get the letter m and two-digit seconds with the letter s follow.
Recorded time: 10h05
